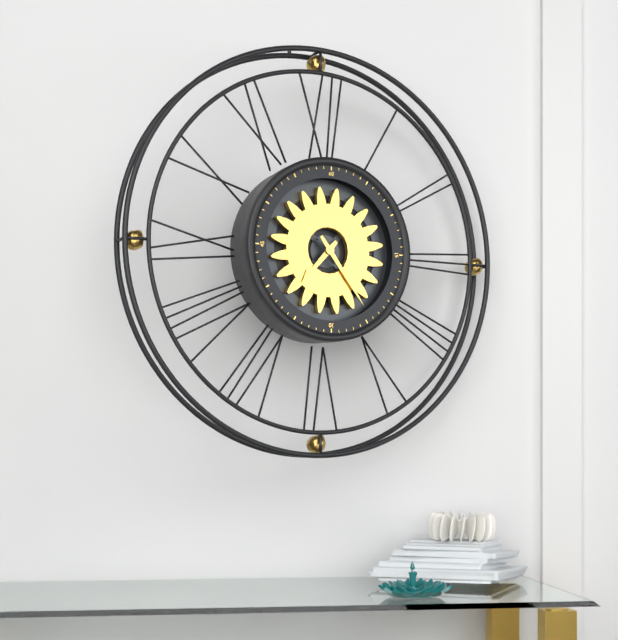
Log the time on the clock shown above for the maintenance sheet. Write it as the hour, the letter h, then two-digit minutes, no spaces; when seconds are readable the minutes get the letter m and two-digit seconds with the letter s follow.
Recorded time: 7h24
